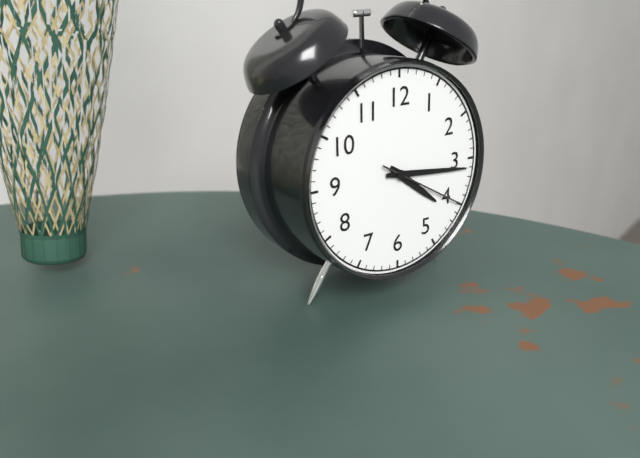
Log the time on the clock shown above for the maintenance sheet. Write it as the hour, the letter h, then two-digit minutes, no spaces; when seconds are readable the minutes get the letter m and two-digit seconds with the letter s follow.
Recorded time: 4h16m20s
